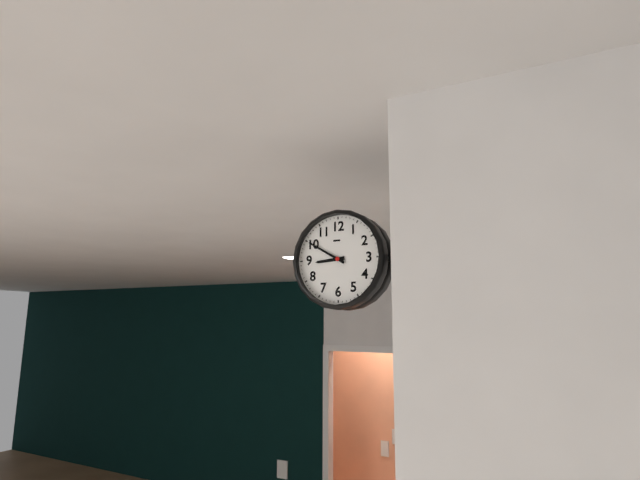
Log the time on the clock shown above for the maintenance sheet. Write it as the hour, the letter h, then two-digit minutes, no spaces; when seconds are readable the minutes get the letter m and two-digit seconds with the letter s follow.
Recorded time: 8h50
